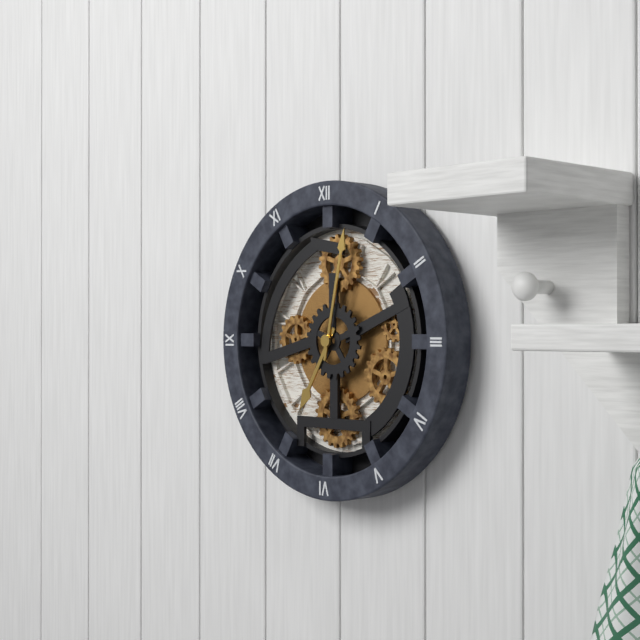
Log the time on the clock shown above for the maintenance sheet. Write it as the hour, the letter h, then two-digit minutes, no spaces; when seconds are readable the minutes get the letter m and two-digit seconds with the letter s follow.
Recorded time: 7h02
